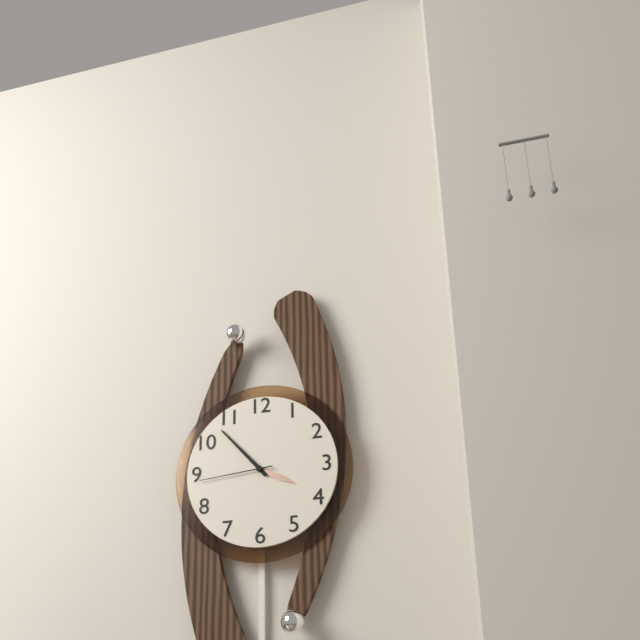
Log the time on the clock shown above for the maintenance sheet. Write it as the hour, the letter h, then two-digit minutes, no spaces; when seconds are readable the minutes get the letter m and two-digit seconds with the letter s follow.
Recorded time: 3h53m44s
